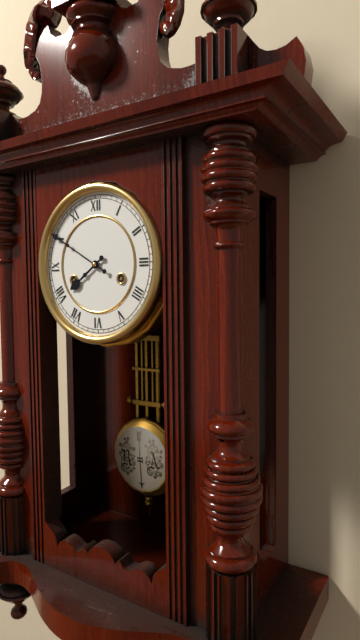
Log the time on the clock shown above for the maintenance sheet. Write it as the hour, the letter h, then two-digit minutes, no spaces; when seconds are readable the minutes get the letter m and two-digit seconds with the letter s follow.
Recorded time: 7h50
